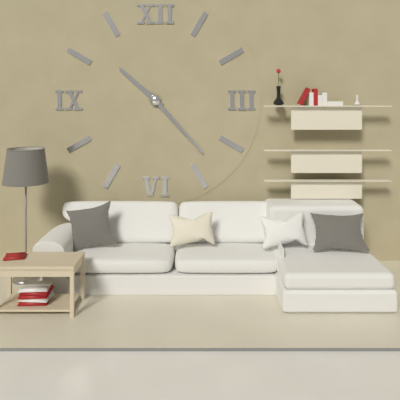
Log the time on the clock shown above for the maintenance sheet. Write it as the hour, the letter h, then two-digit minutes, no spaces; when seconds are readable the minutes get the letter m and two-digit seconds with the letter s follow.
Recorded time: 10h23
